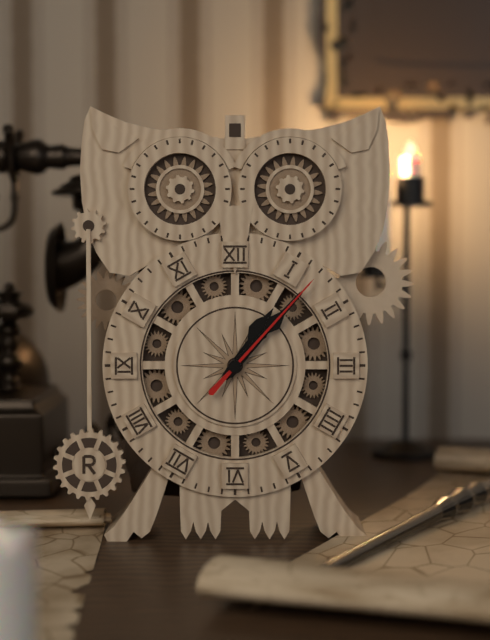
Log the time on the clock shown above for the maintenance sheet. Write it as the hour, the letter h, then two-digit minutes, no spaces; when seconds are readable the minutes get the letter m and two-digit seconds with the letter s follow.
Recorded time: 1h07m07s
